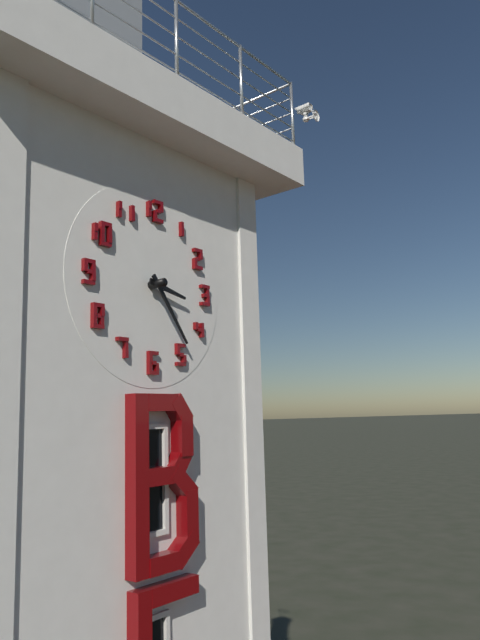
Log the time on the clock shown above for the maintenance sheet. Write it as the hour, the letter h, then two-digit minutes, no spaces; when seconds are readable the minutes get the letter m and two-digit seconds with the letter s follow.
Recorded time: 3h24
